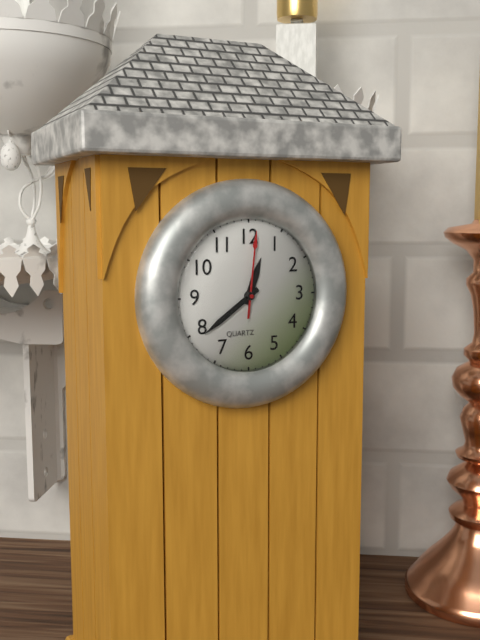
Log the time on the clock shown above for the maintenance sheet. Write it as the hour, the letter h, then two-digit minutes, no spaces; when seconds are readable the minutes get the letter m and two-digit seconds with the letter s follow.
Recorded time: 12h39m01s
